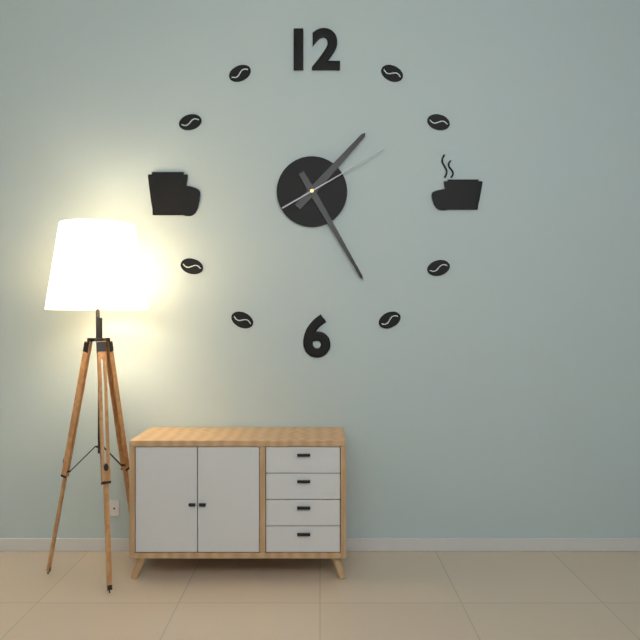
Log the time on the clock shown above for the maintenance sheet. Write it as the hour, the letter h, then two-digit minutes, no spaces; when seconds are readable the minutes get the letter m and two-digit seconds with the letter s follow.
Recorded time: 1h25m10s
